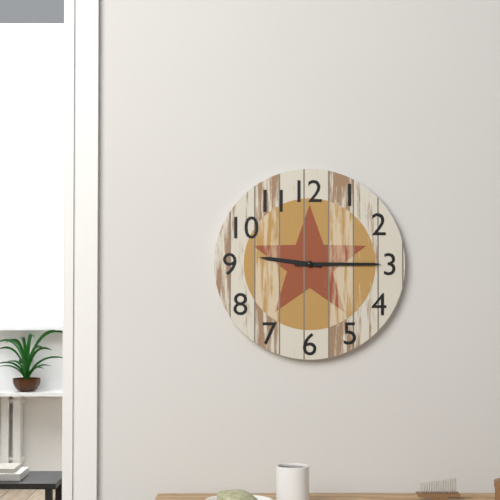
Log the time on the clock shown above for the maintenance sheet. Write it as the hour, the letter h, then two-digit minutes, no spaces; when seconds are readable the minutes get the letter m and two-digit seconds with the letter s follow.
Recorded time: 9h15
